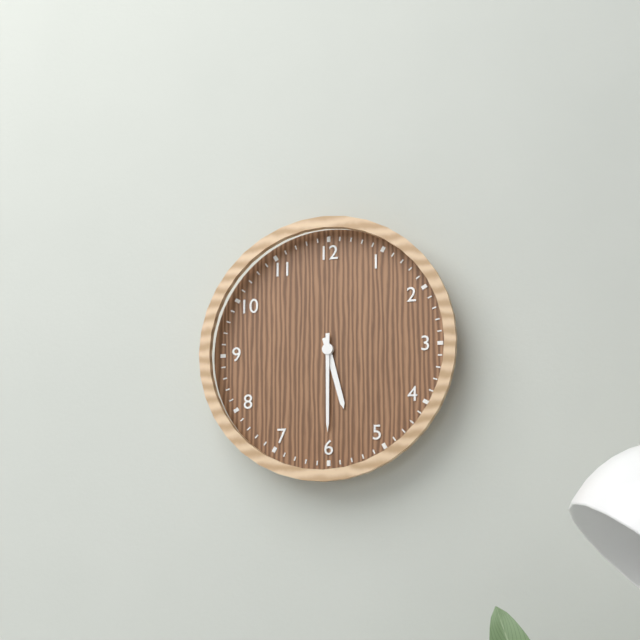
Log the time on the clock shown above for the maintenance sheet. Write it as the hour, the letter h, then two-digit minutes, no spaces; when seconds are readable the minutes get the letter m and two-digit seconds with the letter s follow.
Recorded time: 5h30
